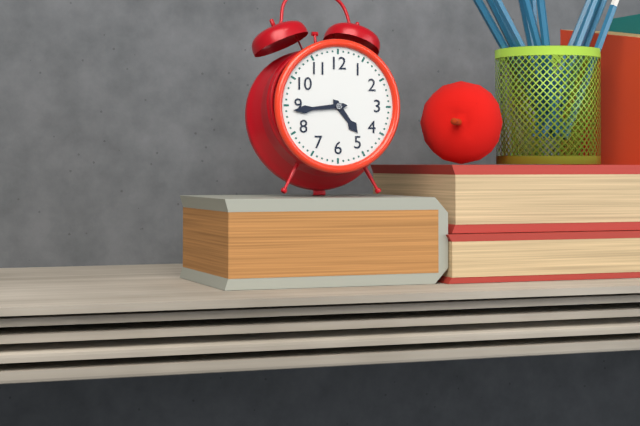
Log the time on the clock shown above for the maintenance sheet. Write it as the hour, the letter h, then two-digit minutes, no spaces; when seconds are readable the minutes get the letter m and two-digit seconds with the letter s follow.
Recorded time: 4h44
